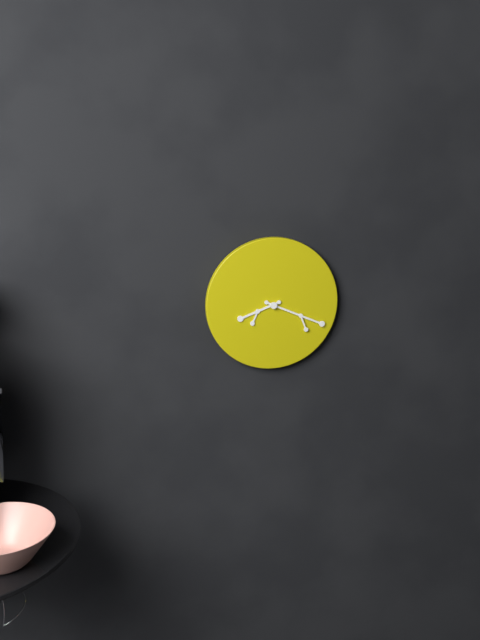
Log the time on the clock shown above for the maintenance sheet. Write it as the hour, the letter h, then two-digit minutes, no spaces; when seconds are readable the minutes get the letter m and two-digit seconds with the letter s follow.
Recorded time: 8h19
